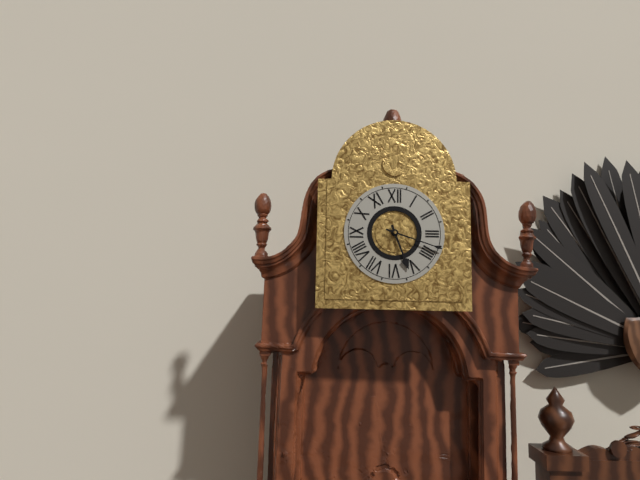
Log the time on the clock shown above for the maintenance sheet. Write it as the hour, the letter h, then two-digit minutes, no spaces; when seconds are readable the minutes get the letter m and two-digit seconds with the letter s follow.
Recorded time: 5h18
